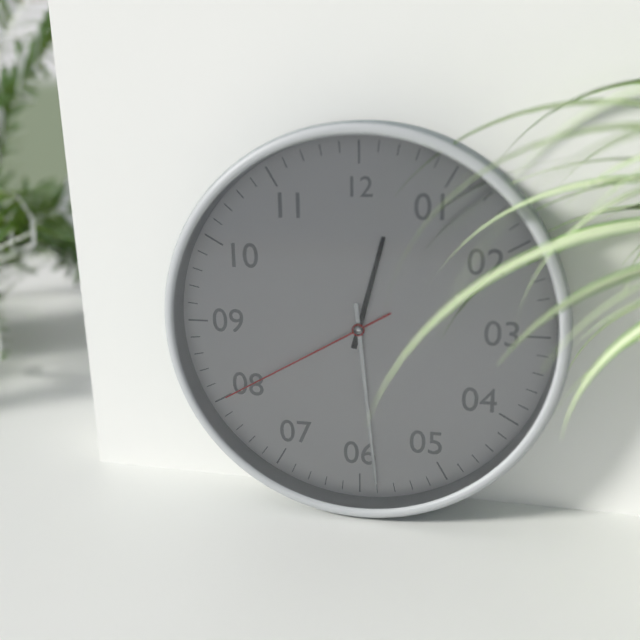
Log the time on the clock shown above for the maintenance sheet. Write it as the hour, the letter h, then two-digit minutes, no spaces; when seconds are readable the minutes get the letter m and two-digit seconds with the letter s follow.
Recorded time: 12h29m40s
